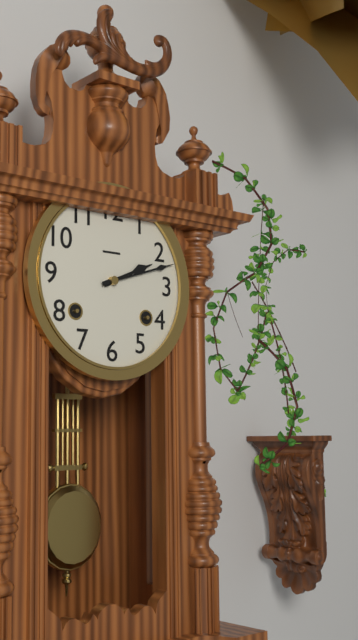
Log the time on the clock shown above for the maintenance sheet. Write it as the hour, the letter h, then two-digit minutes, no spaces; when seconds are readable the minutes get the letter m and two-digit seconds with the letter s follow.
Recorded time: 2h12
